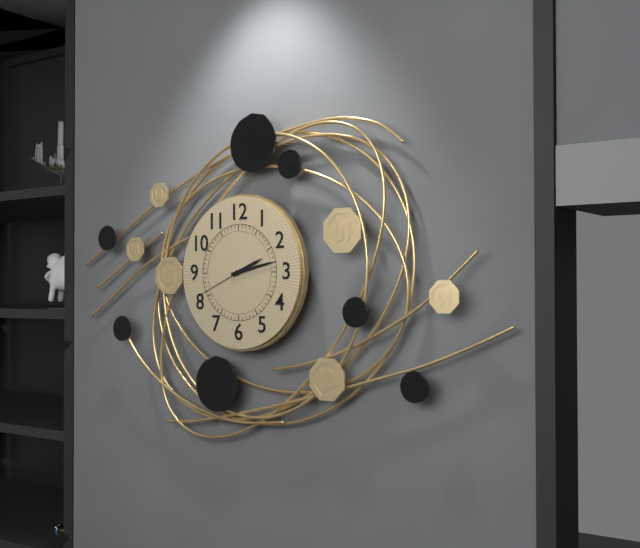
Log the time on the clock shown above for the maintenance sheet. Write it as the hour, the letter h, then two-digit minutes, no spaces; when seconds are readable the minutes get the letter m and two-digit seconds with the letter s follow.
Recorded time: 2h13m41s
